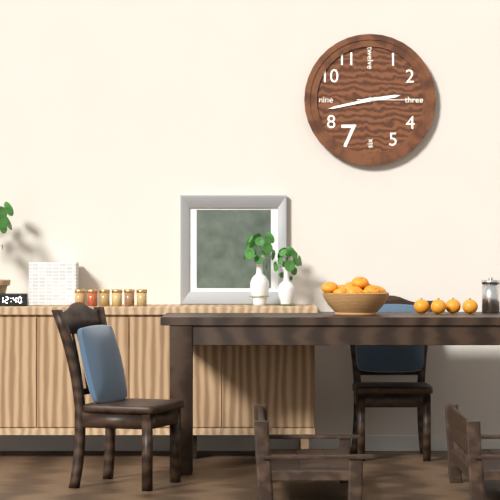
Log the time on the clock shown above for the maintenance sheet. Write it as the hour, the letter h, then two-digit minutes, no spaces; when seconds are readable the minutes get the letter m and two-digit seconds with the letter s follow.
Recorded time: 2h43m15s
